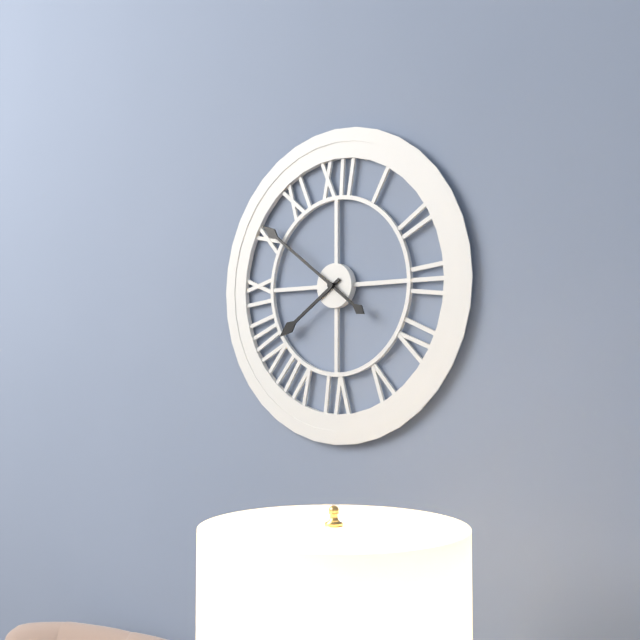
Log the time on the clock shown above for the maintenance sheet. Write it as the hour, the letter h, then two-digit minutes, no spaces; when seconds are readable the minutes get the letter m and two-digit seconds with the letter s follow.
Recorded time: 7h51
